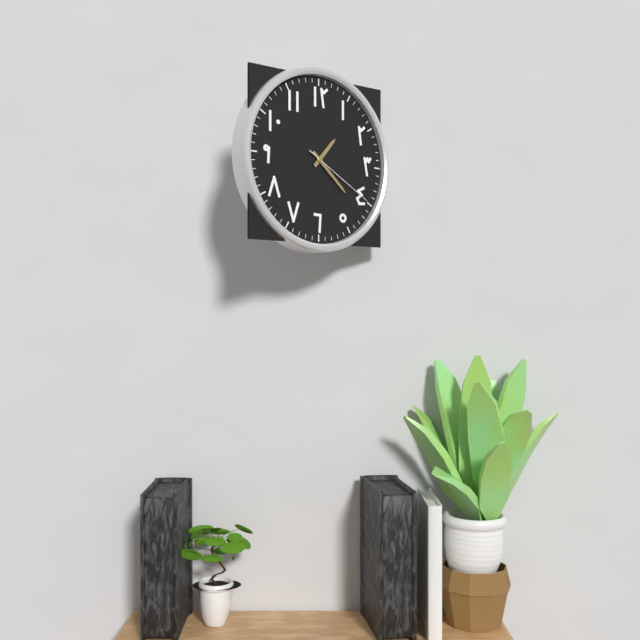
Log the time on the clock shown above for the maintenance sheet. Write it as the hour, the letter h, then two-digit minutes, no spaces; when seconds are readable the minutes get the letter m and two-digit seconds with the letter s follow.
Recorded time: 1h22m20s
